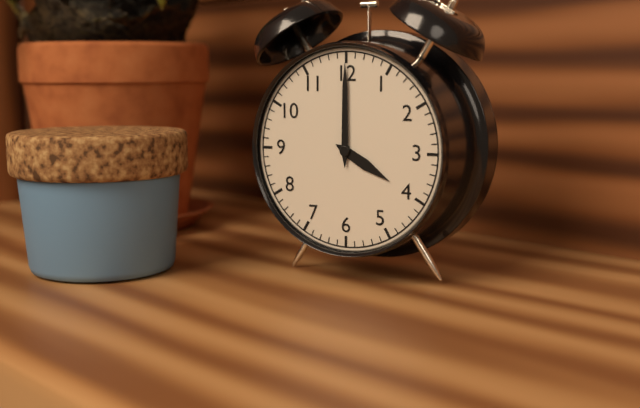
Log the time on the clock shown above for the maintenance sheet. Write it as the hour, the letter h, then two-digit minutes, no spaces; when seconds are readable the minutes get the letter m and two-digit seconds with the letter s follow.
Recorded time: 4h00
